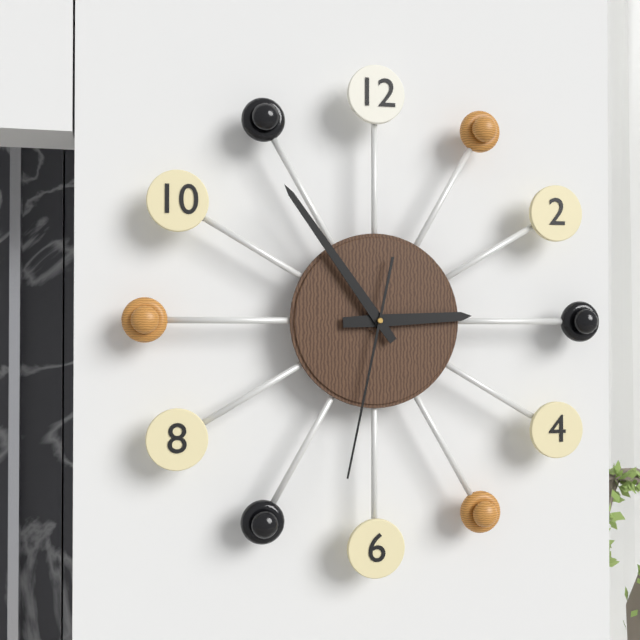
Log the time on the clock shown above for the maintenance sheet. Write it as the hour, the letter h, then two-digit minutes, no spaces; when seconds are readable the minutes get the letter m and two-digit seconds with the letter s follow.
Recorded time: 2h54m32s
